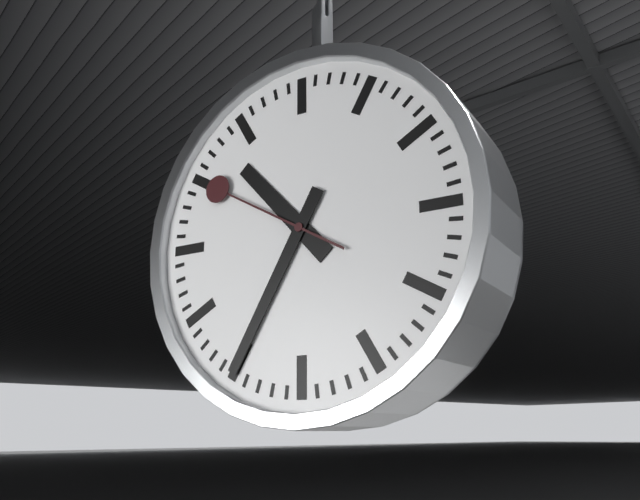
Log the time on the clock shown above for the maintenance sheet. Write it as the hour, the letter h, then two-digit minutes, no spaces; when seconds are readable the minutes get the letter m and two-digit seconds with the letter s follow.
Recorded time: 10h35m50s
